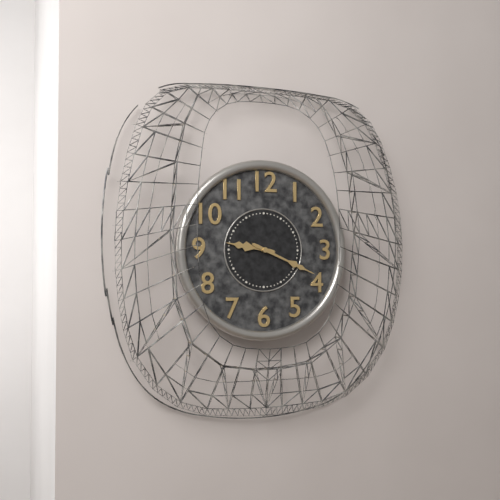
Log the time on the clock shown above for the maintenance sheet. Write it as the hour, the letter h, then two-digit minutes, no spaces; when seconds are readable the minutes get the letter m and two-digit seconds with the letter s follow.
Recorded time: 9h19
